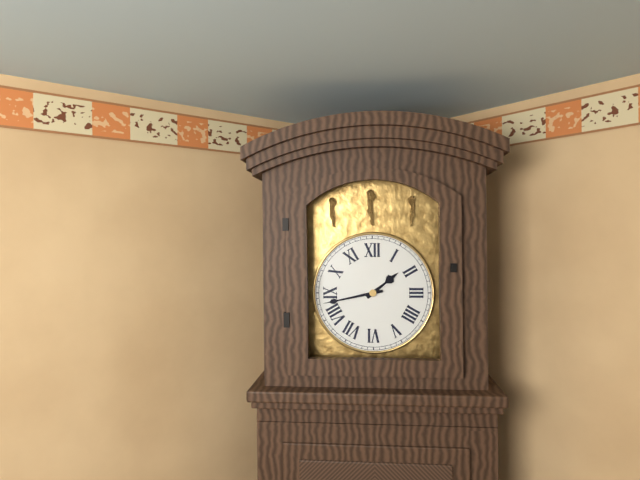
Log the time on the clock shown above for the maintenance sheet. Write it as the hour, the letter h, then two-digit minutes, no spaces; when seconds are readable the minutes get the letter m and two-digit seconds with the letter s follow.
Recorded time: 1h43
